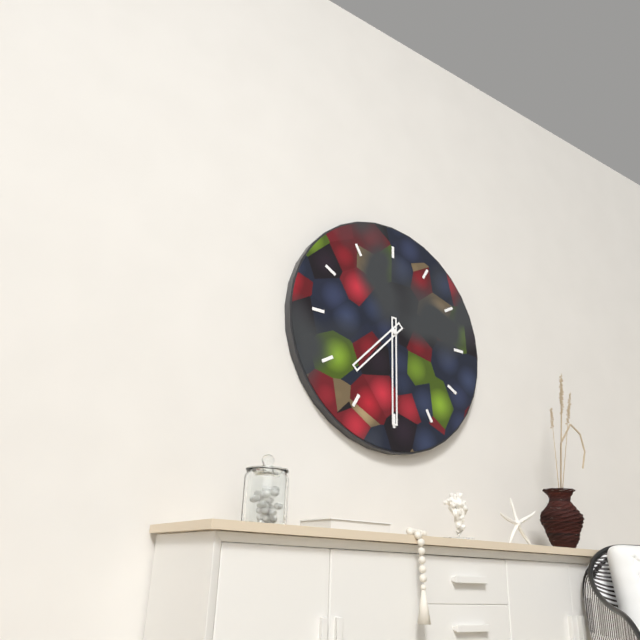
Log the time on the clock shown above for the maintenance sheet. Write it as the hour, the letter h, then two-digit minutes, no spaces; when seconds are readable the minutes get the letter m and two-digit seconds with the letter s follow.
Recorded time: 7h30
